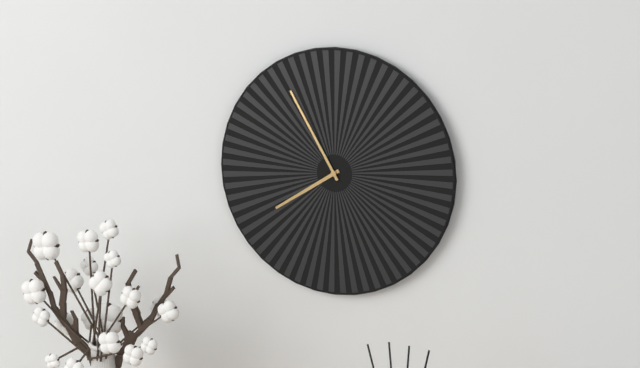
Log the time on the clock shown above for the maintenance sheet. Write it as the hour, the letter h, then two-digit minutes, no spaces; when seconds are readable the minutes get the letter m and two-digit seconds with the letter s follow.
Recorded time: 7h55
